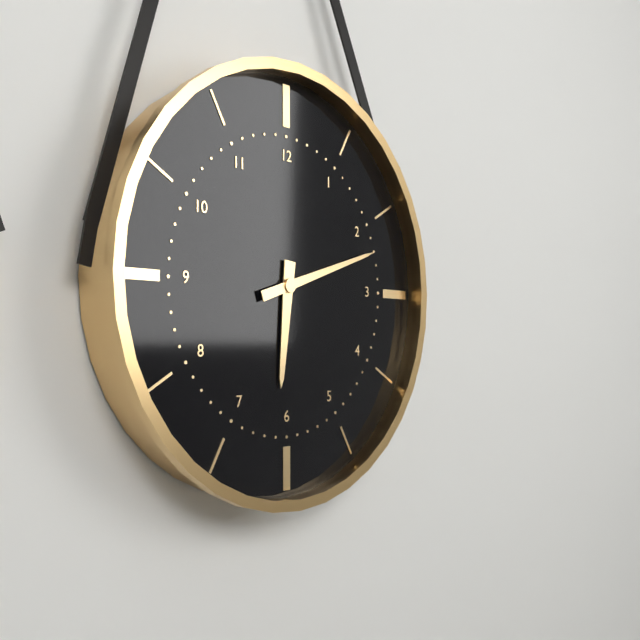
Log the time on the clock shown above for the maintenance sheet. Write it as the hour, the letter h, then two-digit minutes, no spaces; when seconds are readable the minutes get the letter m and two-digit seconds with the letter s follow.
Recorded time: 6h12
